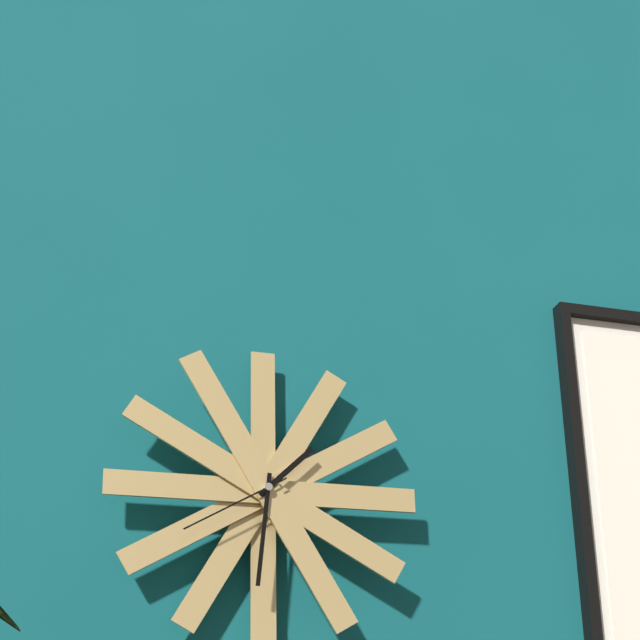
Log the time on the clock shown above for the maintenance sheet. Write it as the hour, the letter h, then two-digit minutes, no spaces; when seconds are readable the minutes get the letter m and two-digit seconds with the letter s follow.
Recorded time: 1h31m40s
